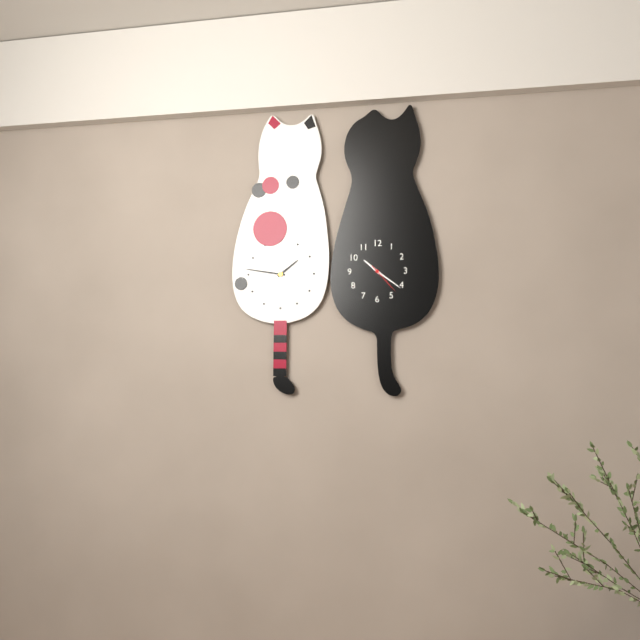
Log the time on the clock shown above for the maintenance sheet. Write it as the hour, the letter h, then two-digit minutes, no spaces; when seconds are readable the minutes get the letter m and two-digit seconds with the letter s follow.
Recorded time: 10h21
